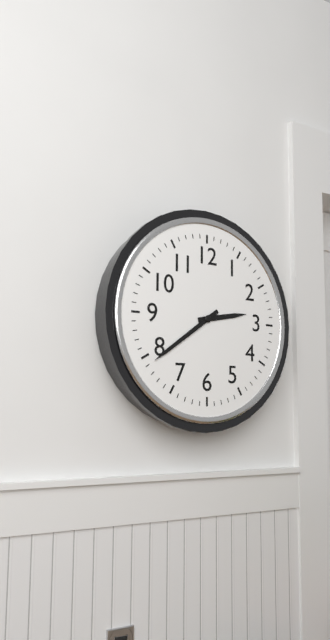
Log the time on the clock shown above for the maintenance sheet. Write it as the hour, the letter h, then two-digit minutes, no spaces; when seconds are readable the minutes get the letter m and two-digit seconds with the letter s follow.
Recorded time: 2h39
